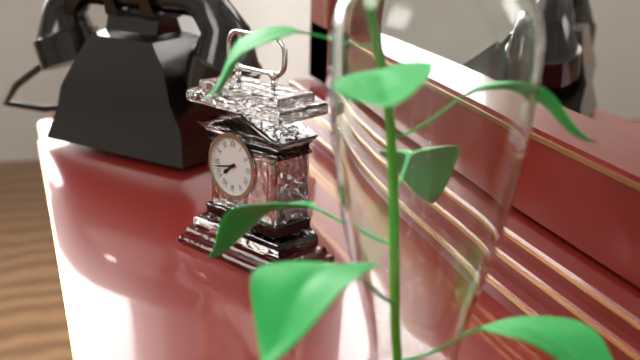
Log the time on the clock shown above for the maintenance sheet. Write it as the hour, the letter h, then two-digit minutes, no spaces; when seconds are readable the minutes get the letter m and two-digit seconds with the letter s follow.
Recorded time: 7h43
